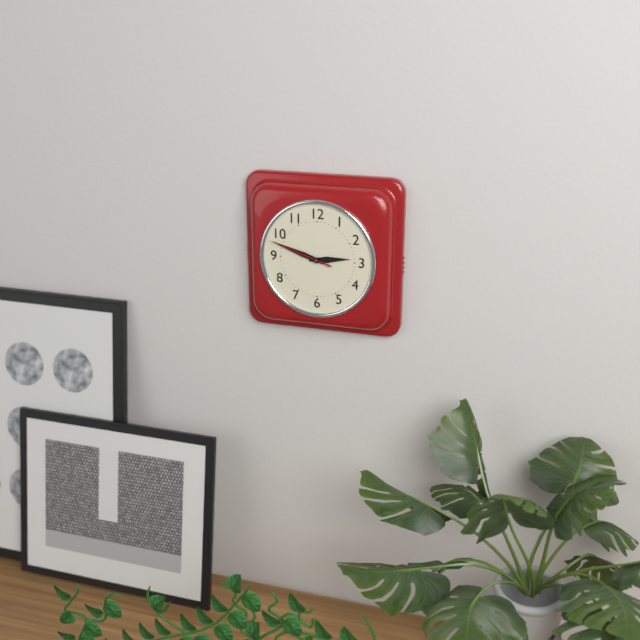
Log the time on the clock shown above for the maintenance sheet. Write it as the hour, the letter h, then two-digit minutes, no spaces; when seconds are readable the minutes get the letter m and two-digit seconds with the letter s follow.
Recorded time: 2h48m48s
